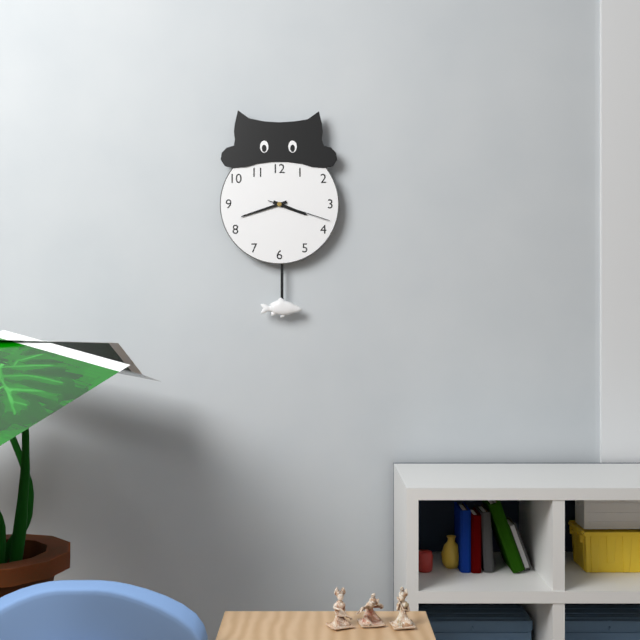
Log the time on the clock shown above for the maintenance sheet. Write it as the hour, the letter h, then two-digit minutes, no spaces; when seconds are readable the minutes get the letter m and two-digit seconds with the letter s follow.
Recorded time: 3h42m18s
